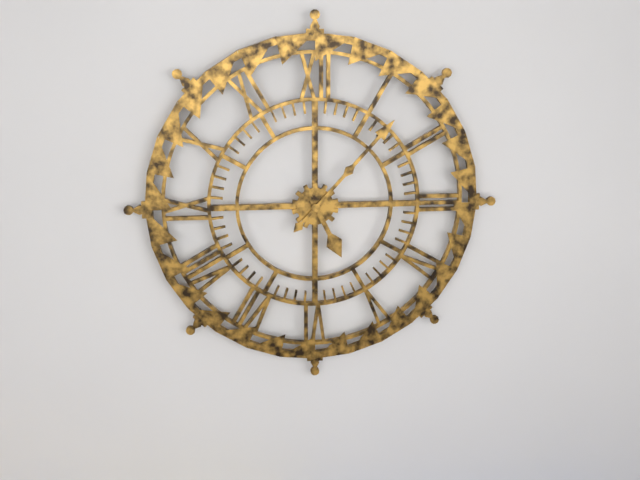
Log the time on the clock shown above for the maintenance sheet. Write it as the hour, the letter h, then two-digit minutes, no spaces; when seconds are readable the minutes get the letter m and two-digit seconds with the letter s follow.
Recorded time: 5h07
